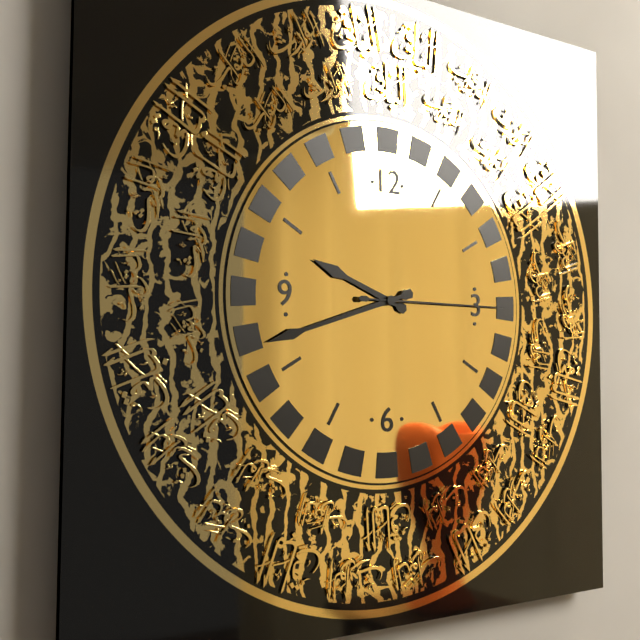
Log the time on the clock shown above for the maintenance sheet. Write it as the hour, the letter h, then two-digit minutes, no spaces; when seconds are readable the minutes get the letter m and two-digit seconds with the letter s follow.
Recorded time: 9h42m15s
